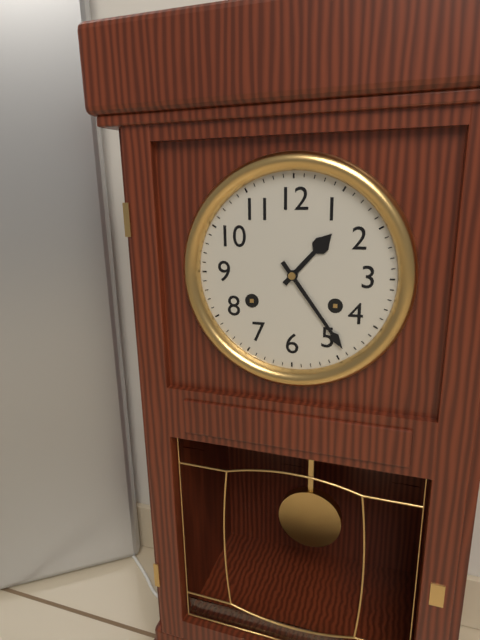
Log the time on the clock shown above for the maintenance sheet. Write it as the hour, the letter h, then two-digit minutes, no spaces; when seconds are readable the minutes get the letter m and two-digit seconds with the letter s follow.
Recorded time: 1h24
